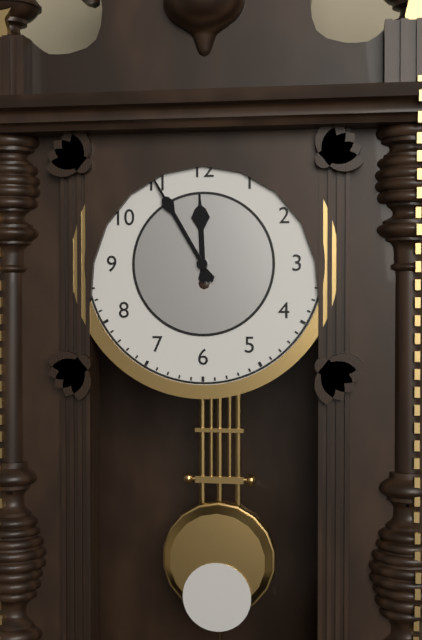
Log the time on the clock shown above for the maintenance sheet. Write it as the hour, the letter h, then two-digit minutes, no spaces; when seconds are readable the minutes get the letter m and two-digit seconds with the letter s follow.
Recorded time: 11h55
